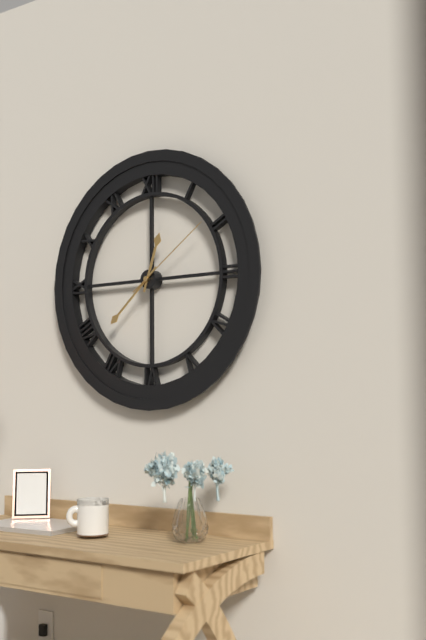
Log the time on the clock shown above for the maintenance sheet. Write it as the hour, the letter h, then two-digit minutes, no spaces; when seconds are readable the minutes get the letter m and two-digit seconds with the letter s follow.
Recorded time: 12h38m09s
